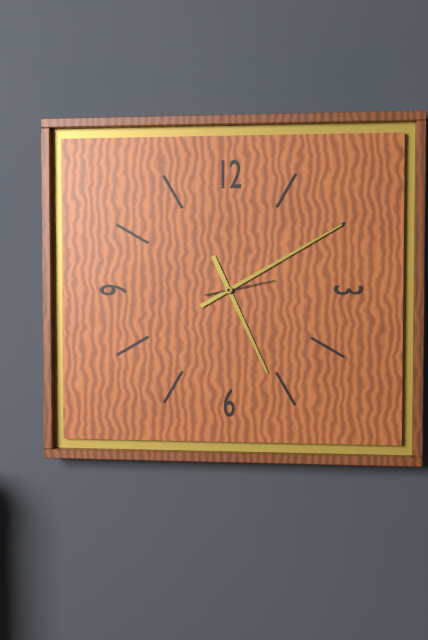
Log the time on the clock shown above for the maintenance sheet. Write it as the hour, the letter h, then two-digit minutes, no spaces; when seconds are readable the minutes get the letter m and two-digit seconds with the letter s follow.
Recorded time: 5h10m13s
